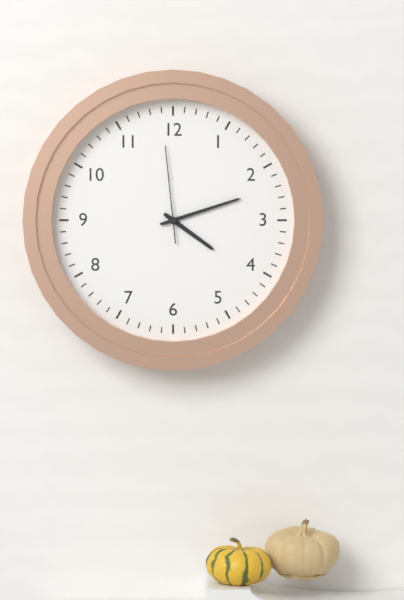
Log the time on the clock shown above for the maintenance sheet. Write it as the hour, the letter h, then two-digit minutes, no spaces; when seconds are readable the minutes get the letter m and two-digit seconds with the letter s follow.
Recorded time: 4h12m59s
